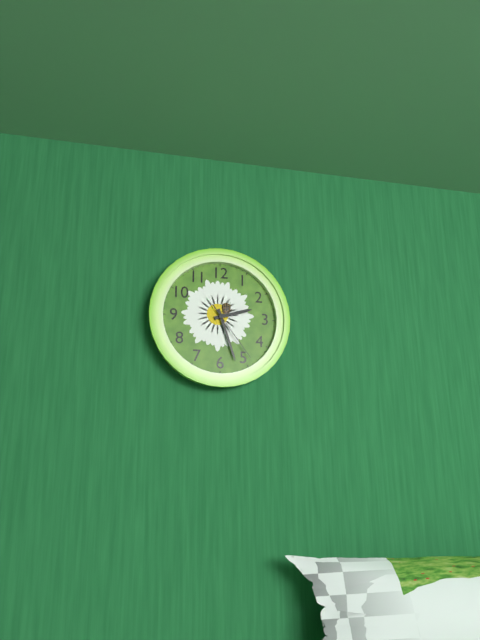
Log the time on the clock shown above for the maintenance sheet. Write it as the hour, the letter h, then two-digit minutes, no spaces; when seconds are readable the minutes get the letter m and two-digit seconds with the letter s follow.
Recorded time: 2h27m24s
